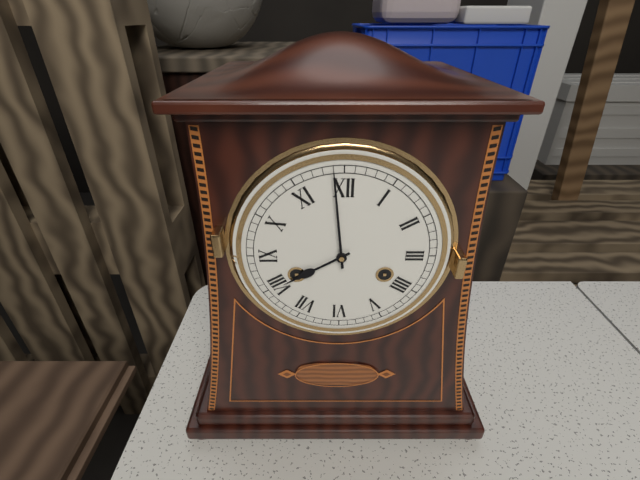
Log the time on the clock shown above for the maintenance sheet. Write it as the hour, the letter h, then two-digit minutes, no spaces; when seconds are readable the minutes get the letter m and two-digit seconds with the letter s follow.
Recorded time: 7h59
